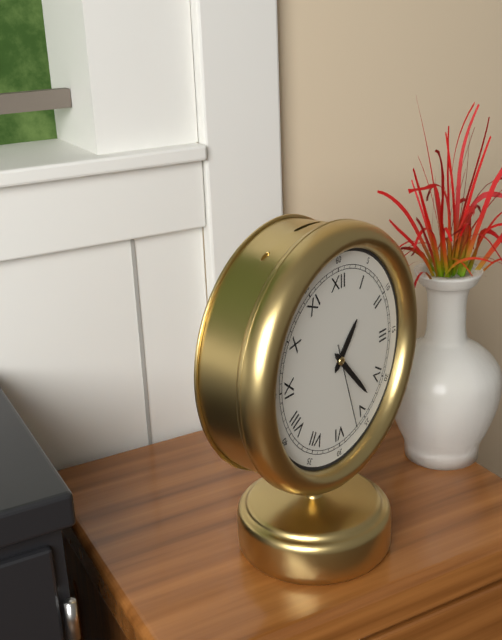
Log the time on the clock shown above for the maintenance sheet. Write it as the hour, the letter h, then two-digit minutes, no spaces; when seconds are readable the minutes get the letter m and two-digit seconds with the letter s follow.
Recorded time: 1h23m27s
